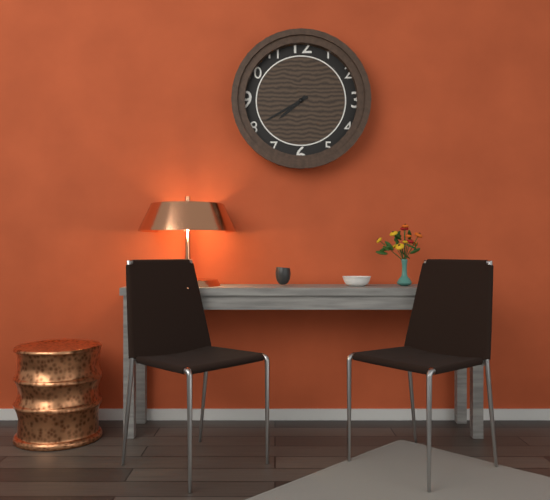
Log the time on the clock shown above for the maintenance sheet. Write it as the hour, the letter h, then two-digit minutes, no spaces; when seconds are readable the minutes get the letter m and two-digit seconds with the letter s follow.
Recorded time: 7h40
